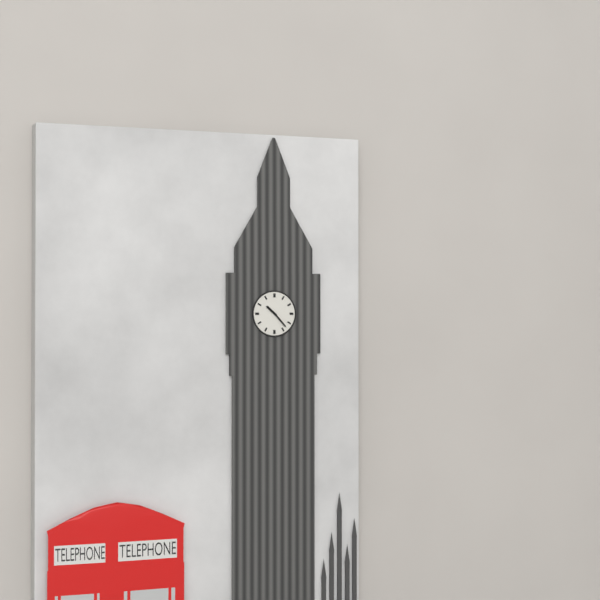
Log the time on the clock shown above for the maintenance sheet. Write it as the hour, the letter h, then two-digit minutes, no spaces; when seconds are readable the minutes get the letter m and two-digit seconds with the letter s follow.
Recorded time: 10h23
